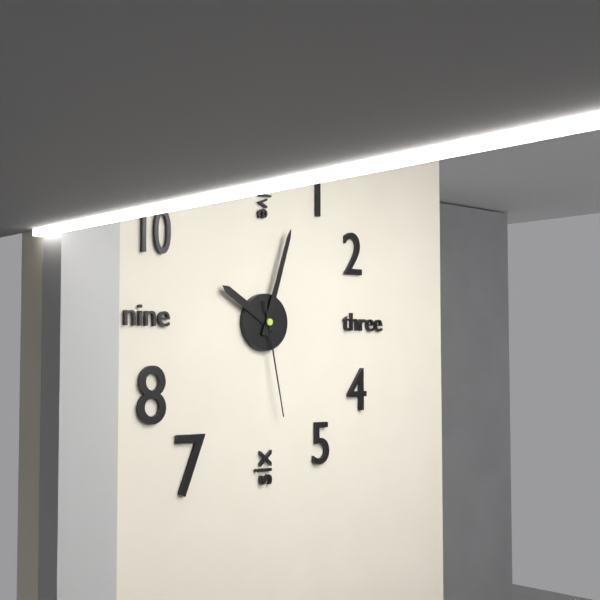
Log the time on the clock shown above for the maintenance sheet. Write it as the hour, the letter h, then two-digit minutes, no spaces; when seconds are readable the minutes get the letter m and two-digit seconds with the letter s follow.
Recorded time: 10h03m28s
